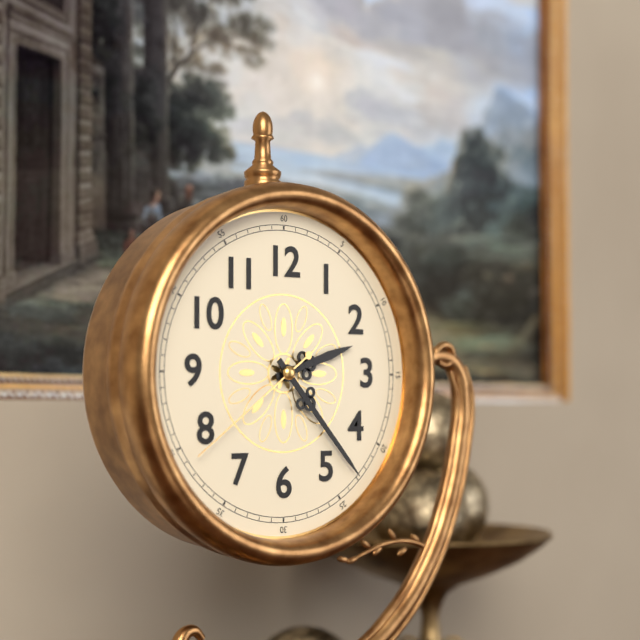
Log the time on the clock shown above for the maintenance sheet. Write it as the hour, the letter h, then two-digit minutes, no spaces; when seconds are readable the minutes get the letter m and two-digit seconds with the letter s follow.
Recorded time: 2h23m39s
